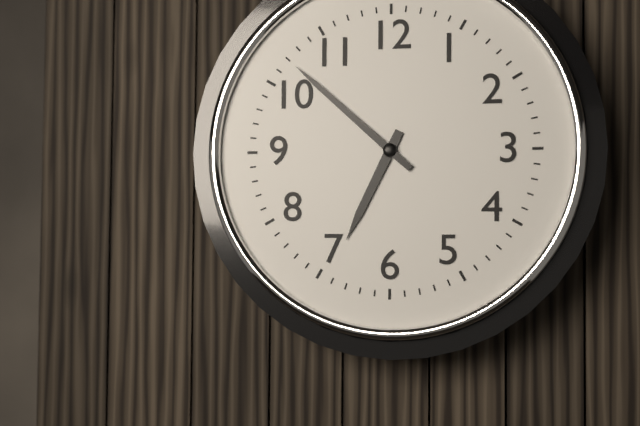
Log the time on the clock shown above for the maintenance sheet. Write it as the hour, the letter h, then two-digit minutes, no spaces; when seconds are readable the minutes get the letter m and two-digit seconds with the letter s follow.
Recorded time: 6h52
